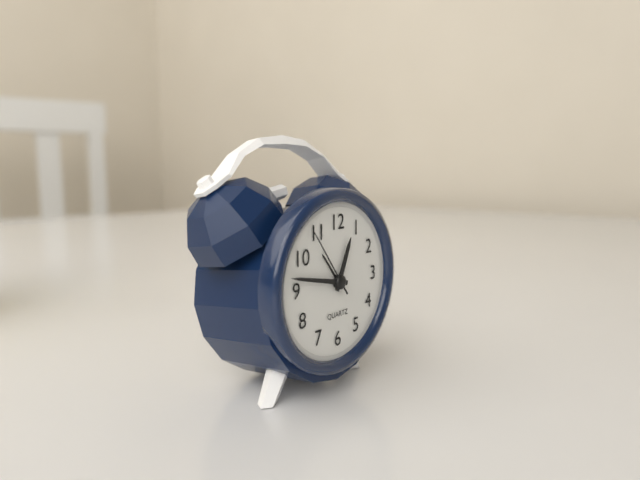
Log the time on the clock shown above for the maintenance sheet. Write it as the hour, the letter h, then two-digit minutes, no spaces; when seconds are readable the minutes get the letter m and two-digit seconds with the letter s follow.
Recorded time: 12h47m54s
